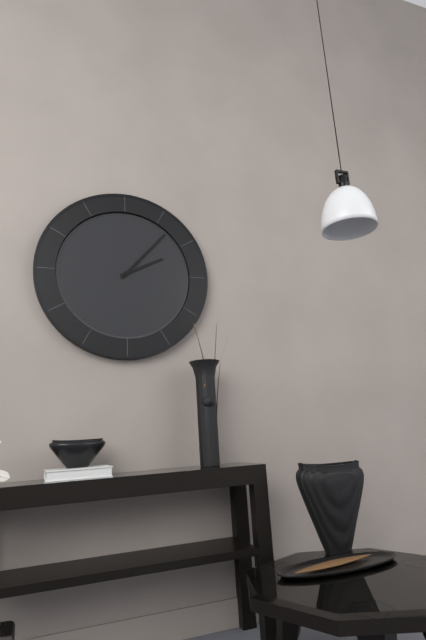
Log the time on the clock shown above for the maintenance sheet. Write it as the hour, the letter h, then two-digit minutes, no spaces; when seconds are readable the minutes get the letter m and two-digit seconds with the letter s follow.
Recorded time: 2h07
